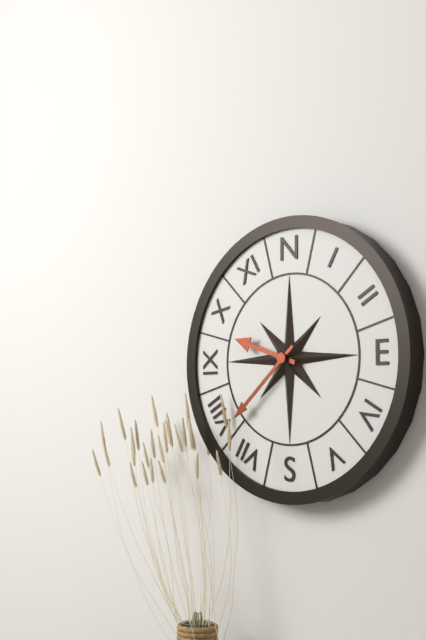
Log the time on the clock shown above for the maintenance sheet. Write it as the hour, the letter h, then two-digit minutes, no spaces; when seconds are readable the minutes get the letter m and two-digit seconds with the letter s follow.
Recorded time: 9h38
